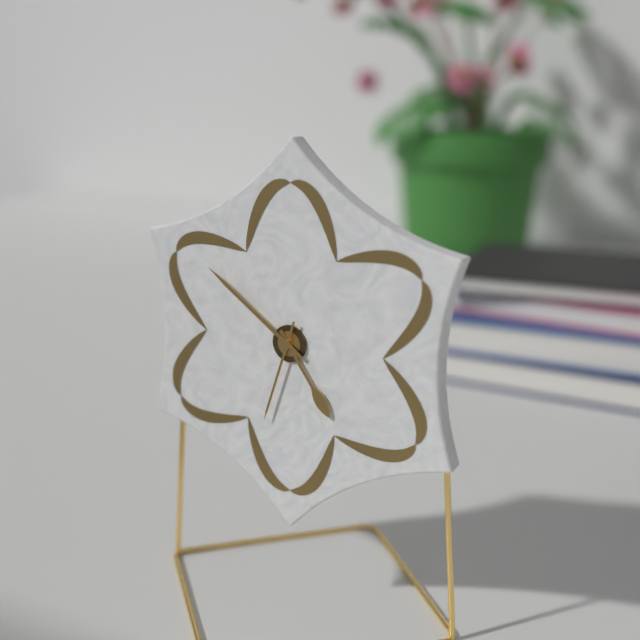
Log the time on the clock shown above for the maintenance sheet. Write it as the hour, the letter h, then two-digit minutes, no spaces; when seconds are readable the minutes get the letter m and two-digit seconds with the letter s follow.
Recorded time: 4h51m33s
